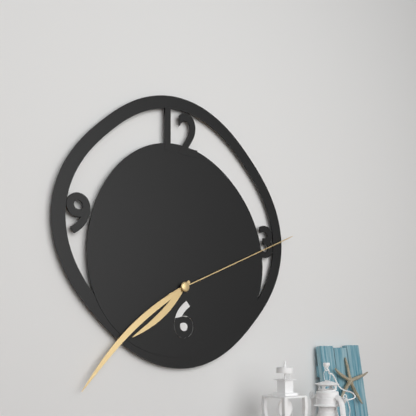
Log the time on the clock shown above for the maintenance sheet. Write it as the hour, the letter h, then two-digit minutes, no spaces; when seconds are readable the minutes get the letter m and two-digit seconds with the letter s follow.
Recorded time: 7h38m11s
